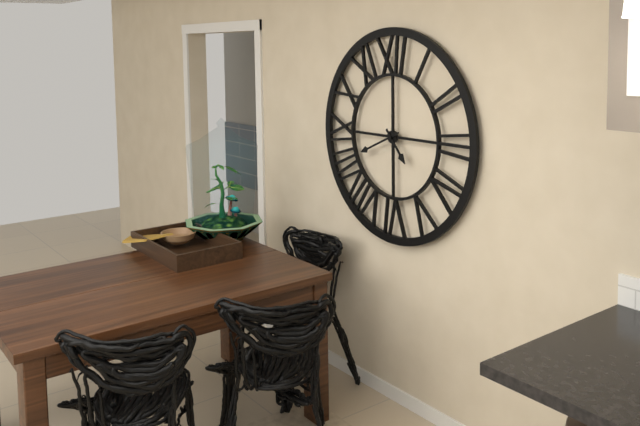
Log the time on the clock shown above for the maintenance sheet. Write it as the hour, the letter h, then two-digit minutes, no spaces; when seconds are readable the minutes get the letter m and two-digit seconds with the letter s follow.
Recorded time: 4h41
